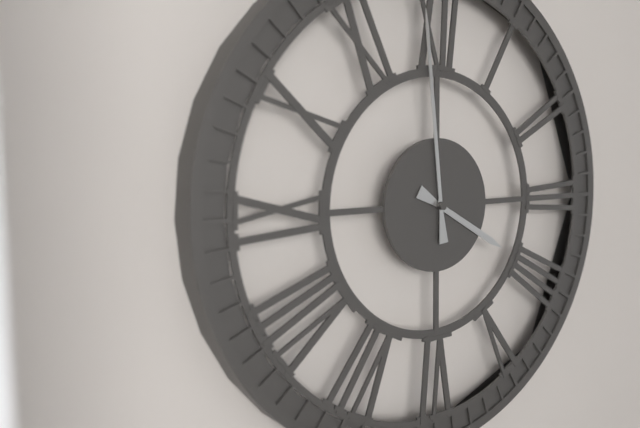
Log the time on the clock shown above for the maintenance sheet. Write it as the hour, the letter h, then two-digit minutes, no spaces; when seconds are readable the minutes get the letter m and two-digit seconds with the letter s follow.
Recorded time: 3h59
